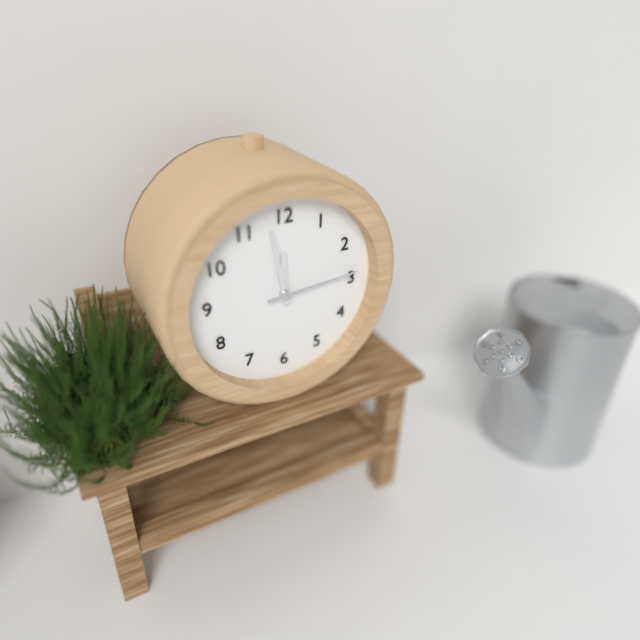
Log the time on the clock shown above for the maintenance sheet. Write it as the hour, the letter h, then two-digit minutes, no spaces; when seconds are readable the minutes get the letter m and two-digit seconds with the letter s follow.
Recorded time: 11h58m14s
